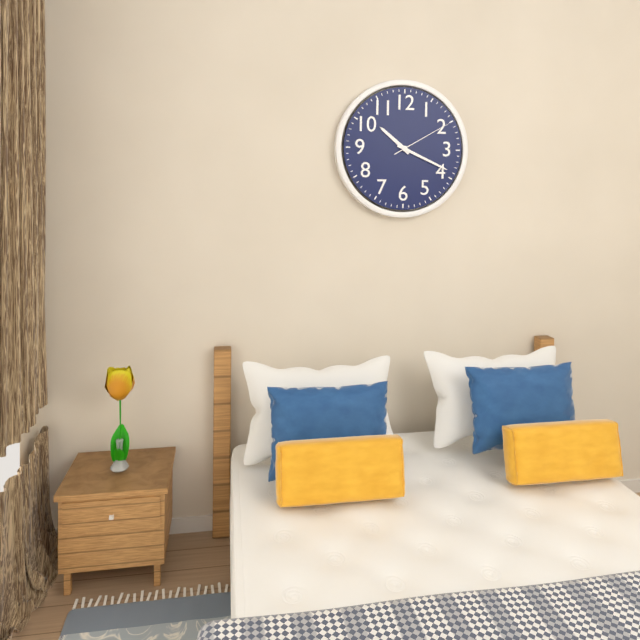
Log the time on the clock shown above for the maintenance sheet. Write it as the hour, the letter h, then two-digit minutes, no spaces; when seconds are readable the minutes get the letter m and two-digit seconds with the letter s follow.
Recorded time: 10h19m10s
